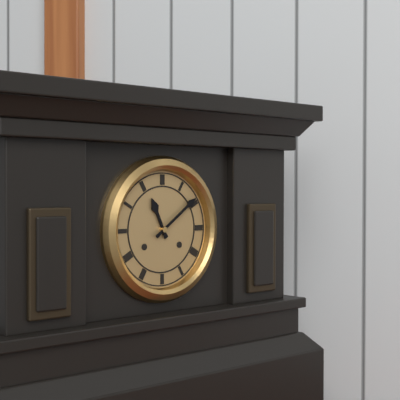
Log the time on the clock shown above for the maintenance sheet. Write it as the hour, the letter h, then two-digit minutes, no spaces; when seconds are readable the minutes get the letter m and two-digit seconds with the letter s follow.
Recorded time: 11h09
